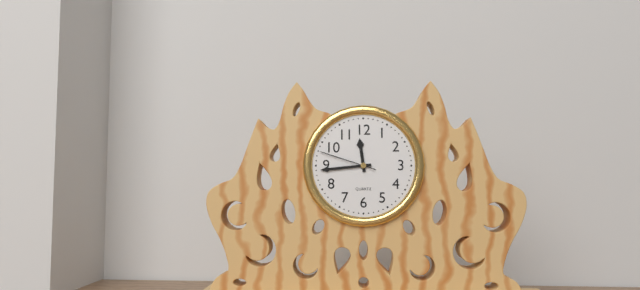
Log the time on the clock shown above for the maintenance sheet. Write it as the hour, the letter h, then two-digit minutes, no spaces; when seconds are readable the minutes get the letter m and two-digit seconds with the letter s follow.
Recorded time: 11h44m48s
